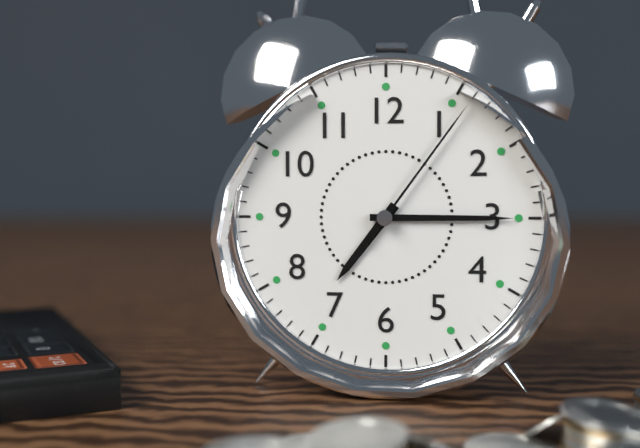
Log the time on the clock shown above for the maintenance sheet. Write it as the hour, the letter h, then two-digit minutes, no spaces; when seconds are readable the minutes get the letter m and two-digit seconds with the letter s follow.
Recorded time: 7h15m06s
